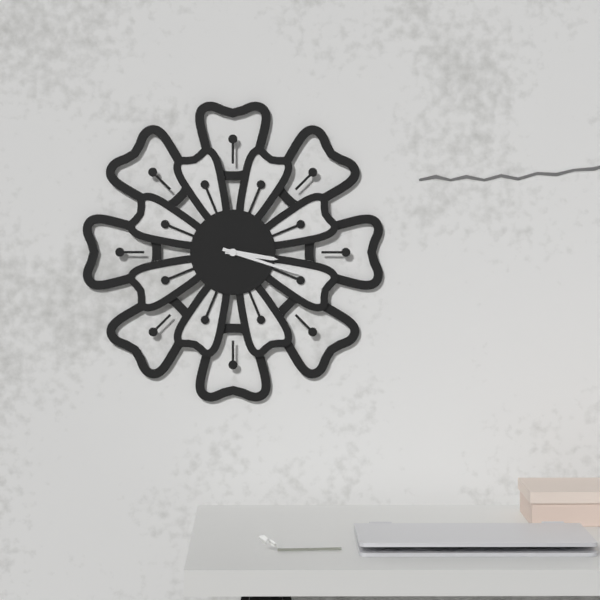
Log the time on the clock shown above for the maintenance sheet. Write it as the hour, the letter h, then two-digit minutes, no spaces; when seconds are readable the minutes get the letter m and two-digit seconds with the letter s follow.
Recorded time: 3h18
